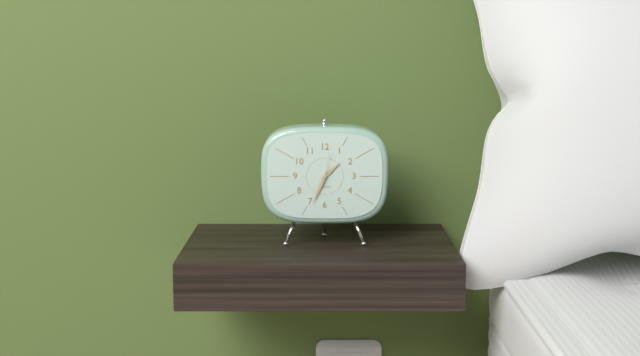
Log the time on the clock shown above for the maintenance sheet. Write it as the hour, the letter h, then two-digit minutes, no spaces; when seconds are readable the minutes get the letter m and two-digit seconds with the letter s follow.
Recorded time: 1h34
